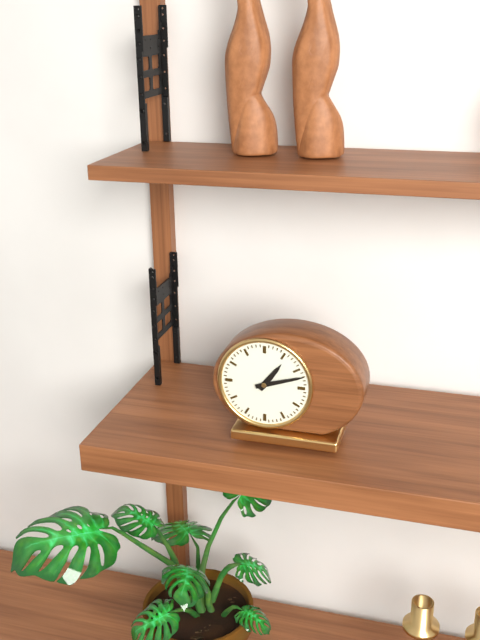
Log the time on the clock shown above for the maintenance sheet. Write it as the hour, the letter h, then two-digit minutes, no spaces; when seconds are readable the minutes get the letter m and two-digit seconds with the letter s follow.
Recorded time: 1h12
